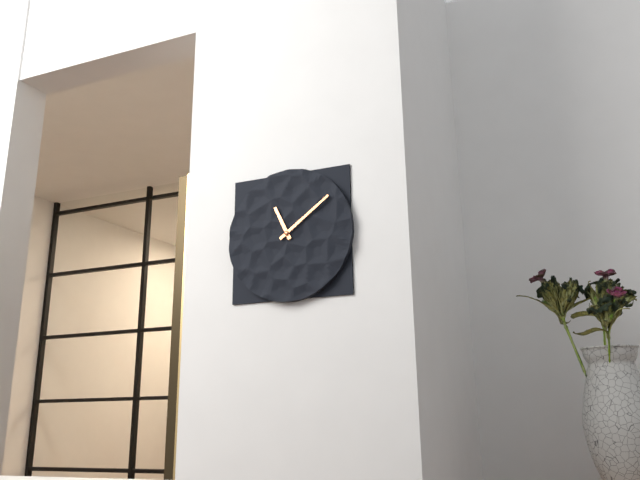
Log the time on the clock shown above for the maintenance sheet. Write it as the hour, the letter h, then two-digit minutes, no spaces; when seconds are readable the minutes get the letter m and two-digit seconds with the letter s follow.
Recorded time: 11h09
